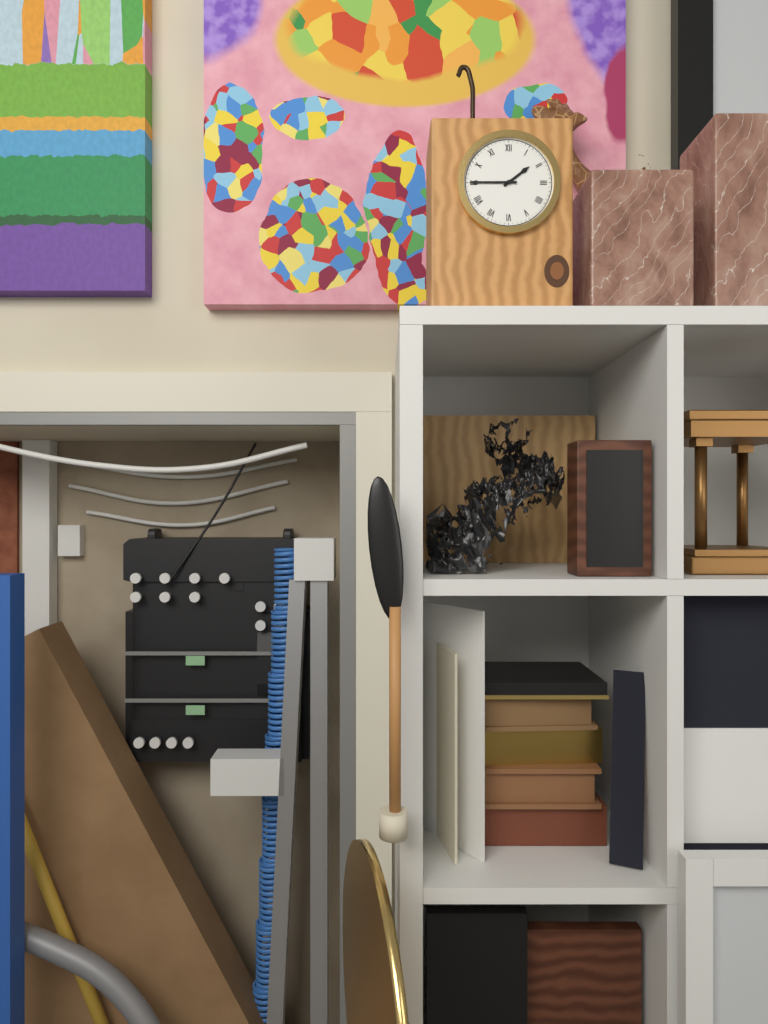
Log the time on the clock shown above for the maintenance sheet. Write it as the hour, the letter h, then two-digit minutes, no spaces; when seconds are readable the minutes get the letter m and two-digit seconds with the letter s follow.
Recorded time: 1h45
